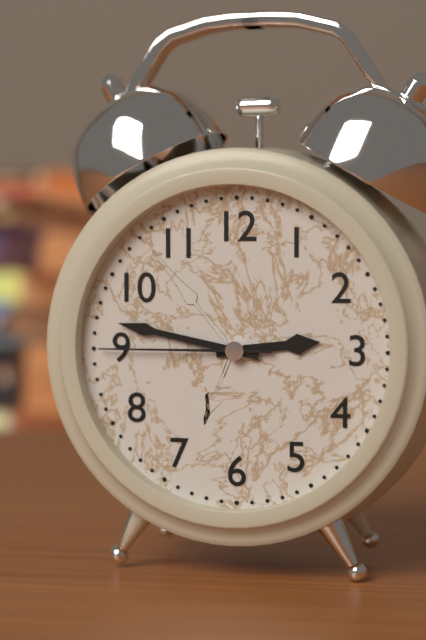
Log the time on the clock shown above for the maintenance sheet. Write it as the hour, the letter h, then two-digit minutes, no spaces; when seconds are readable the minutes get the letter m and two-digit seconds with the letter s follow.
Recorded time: 2h47m45s
